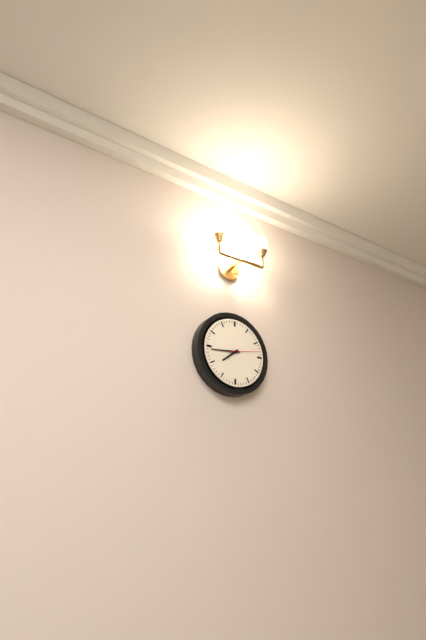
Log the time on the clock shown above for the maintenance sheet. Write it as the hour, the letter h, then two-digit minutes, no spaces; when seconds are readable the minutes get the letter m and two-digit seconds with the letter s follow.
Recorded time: 7h44
